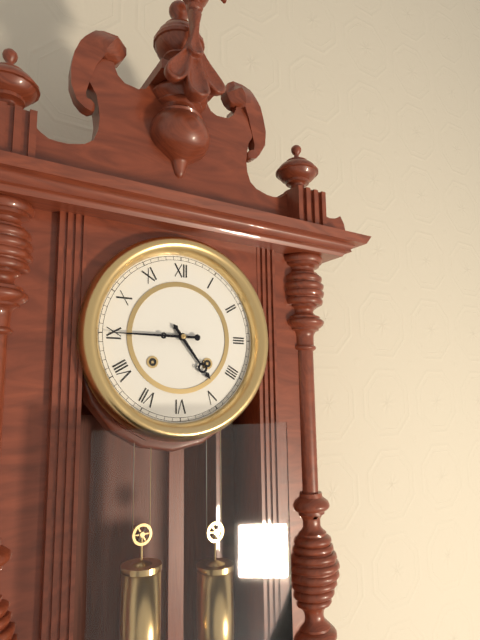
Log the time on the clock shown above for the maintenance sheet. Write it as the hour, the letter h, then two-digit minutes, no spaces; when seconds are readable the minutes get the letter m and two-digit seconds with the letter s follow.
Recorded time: 4h45
